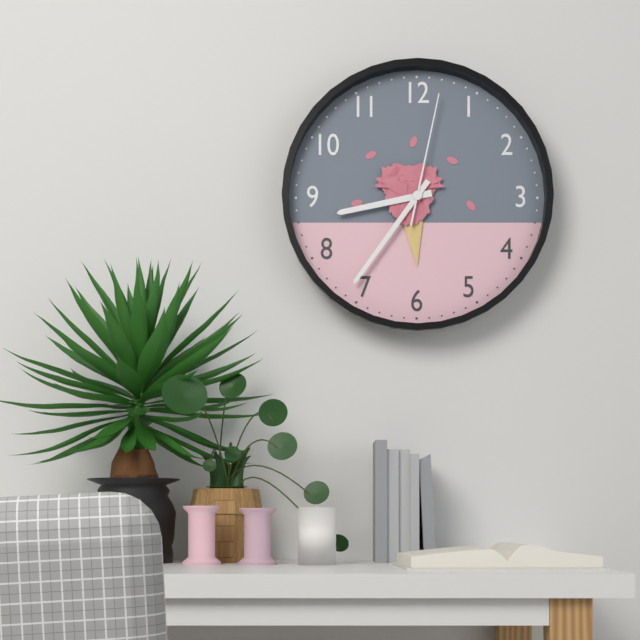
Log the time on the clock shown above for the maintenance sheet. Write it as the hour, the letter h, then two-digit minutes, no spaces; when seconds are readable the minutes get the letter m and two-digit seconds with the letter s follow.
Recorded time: 8h36m02s
